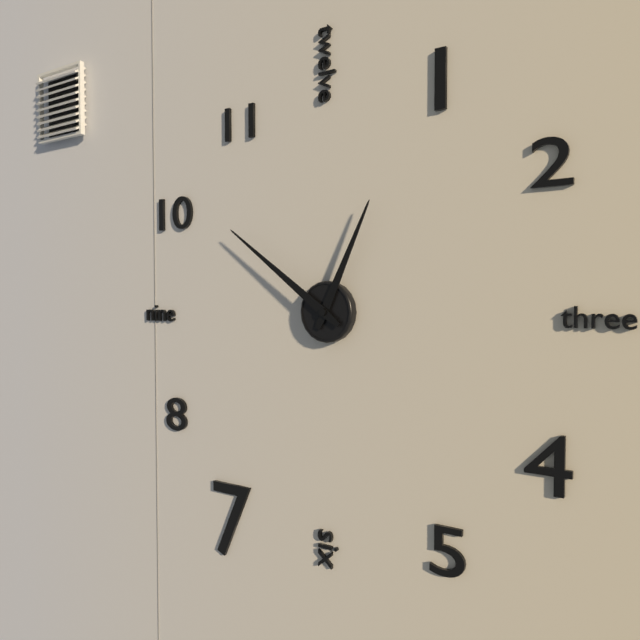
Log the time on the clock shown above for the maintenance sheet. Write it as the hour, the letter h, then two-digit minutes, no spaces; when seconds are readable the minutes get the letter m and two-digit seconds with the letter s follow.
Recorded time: 12h51
